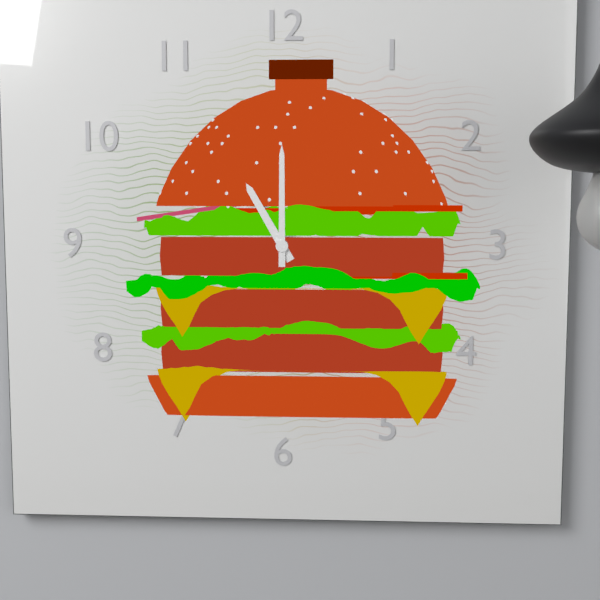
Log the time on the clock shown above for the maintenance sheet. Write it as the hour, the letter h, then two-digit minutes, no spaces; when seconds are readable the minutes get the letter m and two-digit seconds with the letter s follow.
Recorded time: 11h00
